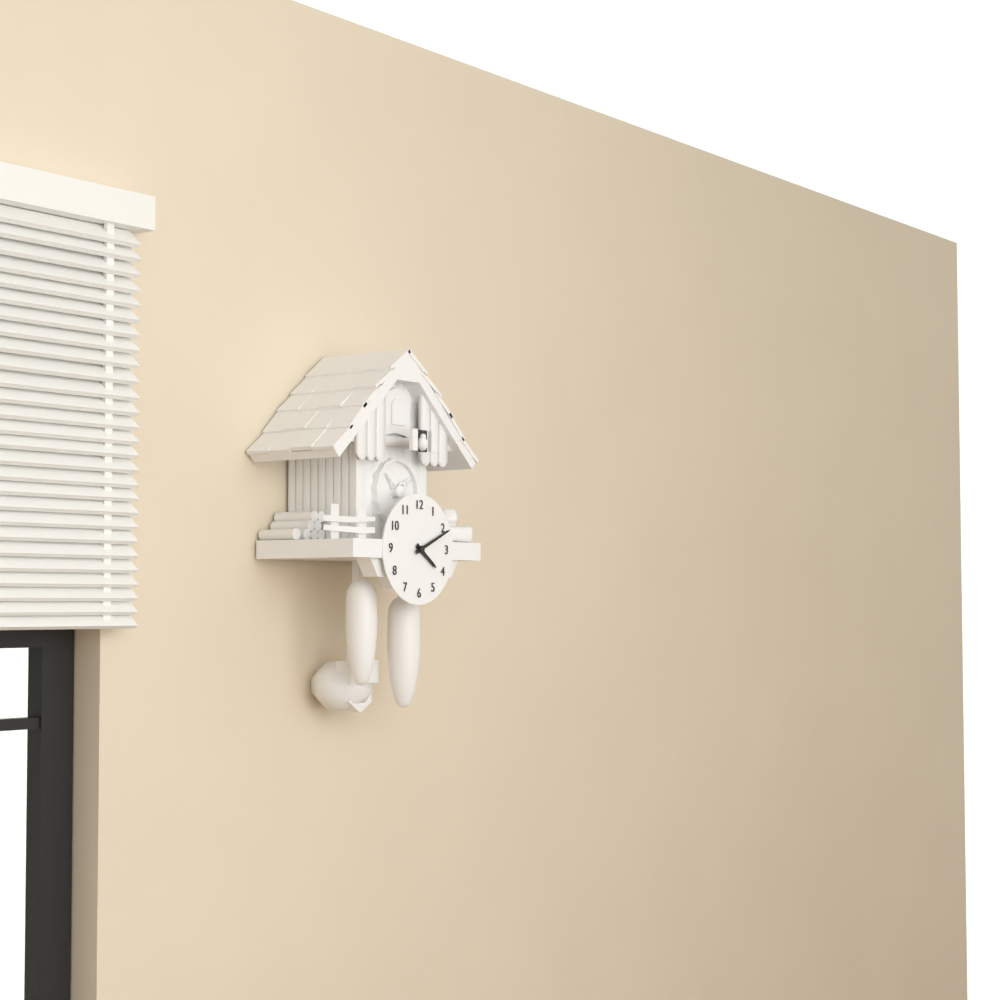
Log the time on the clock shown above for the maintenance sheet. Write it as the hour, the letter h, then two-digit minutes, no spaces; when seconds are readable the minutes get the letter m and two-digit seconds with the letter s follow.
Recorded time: 4h11
